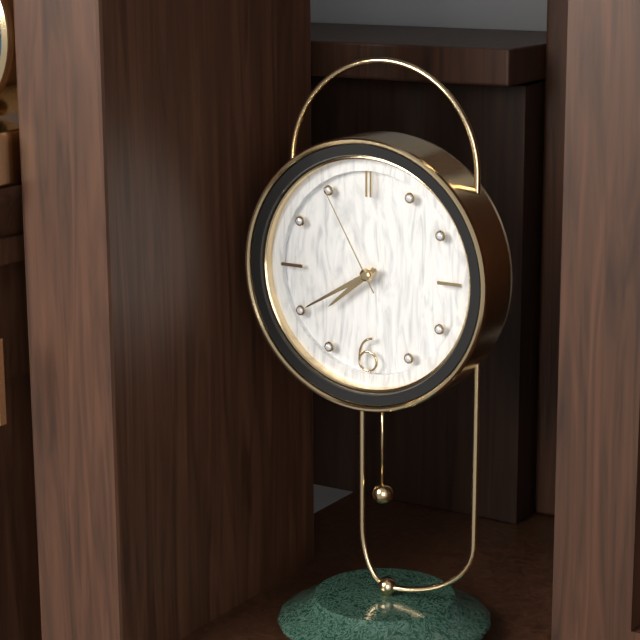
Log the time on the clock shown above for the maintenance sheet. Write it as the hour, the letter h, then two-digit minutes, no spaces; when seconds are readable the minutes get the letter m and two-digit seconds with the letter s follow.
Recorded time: 7h40m55s
